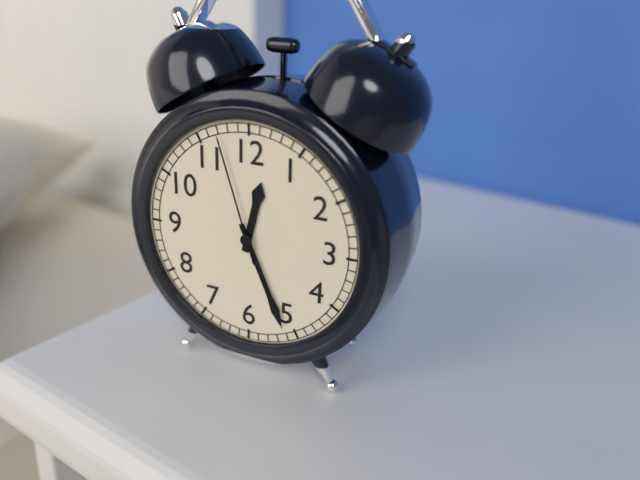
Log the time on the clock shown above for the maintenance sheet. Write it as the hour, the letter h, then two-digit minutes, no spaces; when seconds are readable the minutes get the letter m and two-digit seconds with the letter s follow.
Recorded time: 12h26m57s
